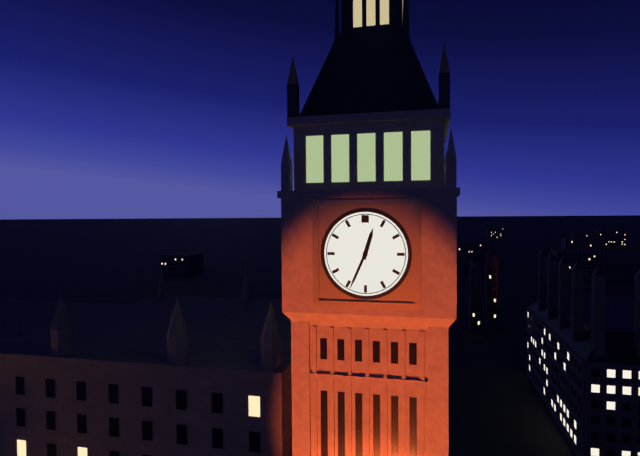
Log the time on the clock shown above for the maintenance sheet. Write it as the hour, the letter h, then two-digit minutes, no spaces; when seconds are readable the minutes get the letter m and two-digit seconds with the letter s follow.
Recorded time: 12h34
